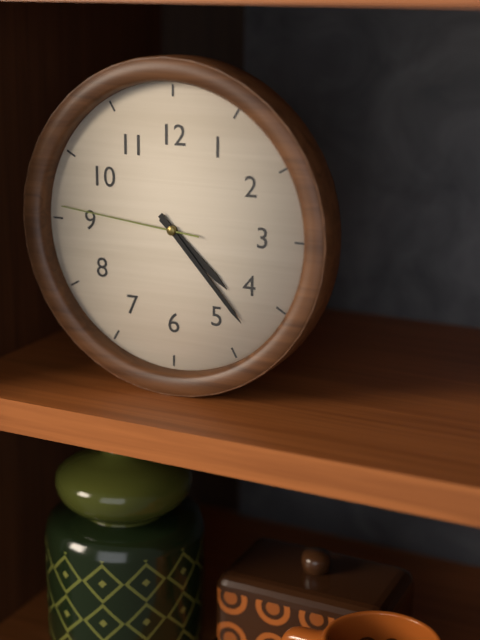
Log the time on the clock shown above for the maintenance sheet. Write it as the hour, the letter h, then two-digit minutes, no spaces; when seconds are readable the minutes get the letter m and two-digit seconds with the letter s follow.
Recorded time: 4h23m46s
